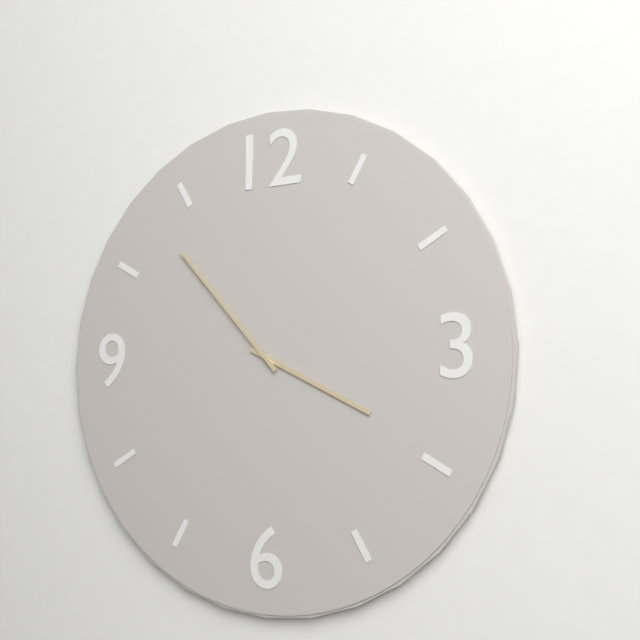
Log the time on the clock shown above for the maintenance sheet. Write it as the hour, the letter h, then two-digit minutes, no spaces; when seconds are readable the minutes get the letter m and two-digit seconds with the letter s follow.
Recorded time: 3h53
